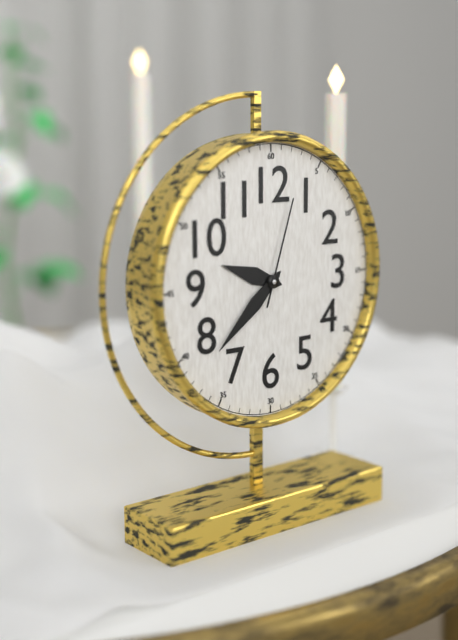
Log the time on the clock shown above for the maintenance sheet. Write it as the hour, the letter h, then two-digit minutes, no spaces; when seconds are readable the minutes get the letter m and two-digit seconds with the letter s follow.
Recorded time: 9h38m03s
